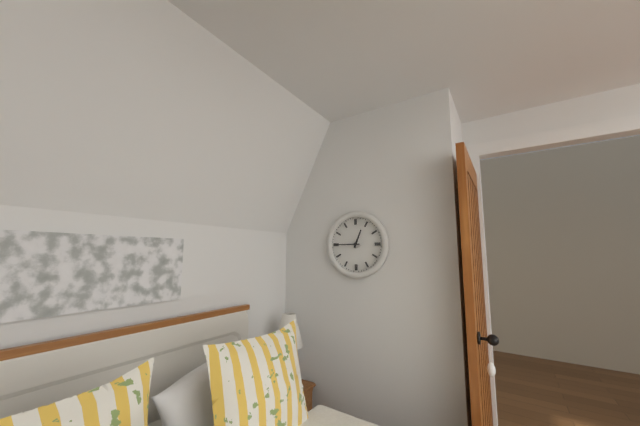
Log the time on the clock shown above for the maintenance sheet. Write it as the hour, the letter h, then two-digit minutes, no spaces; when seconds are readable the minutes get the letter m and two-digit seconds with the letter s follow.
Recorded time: 12h45
